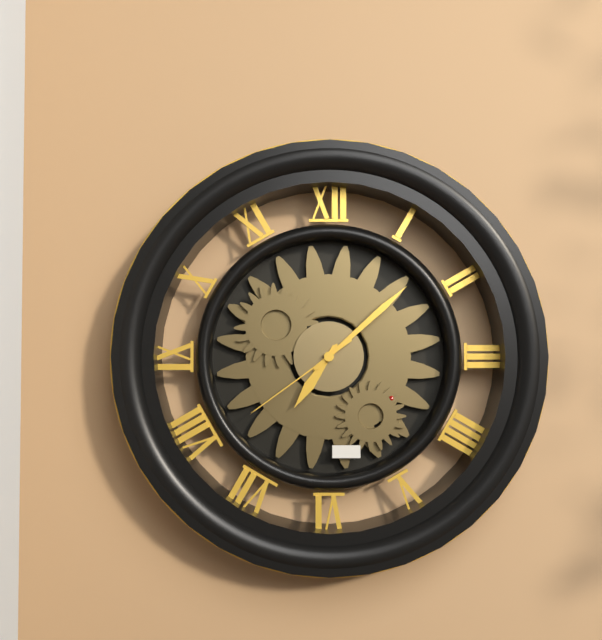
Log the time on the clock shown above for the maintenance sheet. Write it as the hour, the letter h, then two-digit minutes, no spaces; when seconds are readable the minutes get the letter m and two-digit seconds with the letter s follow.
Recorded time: 7h08m39s
